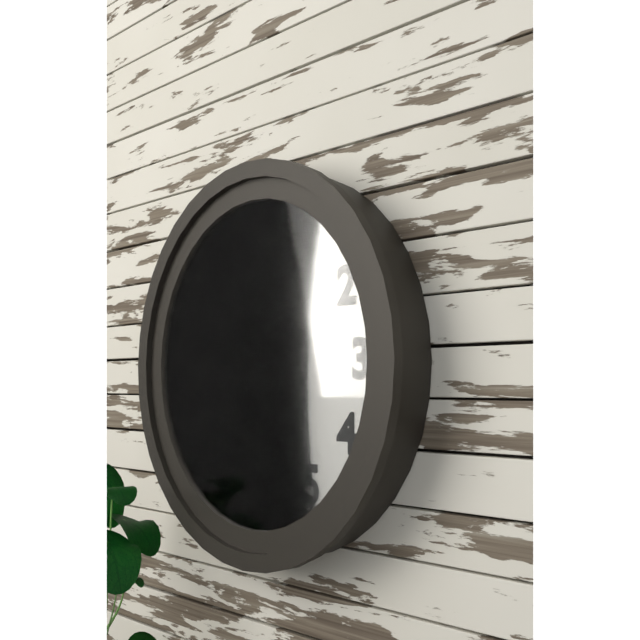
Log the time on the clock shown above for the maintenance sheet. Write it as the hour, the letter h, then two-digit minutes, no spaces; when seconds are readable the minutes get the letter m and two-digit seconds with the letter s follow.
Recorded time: 1h40m47s
